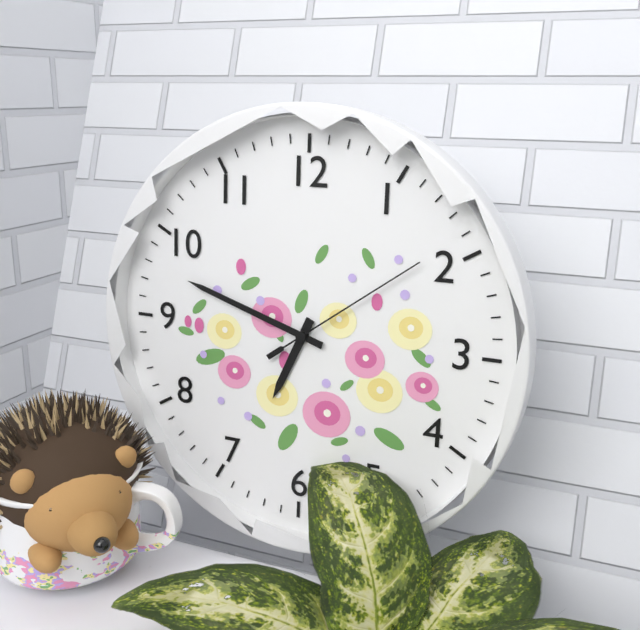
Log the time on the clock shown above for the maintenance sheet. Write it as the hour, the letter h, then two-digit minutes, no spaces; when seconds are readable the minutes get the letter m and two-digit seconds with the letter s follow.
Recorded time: 6h48m09s
